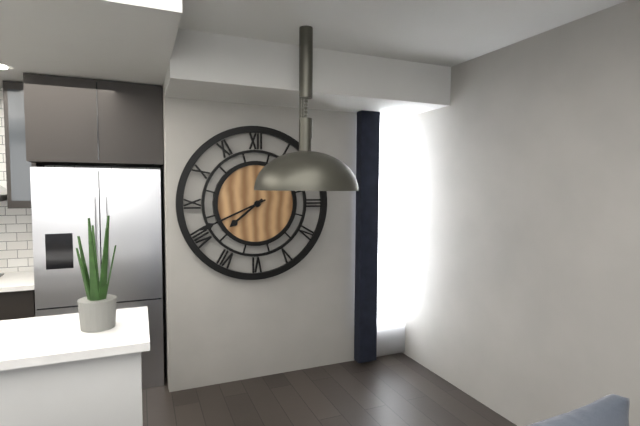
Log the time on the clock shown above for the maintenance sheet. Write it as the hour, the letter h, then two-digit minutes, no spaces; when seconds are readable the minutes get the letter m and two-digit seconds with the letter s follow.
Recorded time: 7h41
